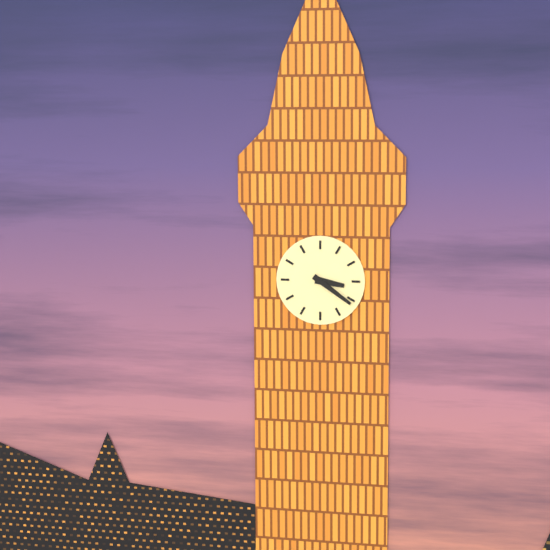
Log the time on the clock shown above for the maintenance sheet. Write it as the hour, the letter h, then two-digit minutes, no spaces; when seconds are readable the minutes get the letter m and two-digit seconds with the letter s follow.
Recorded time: 3h21
